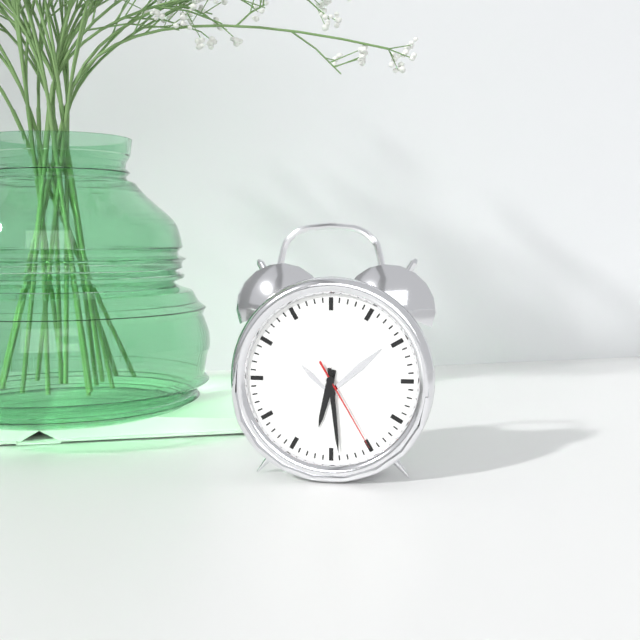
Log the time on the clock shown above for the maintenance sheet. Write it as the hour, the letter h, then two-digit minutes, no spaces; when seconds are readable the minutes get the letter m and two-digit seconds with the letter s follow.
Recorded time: 6h29m25s
